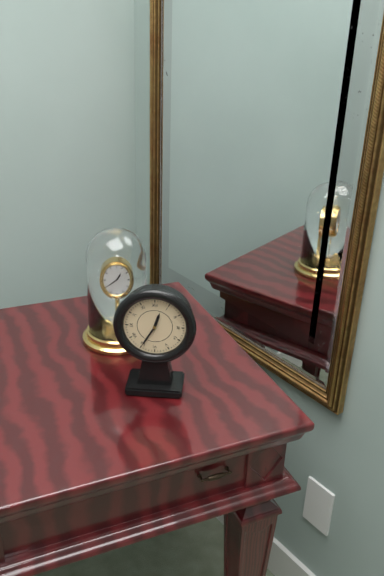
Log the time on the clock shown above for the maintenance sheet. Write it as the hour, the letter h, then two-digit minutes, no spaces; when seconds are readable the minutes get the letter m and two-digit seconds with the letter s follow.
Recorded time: 12h35
